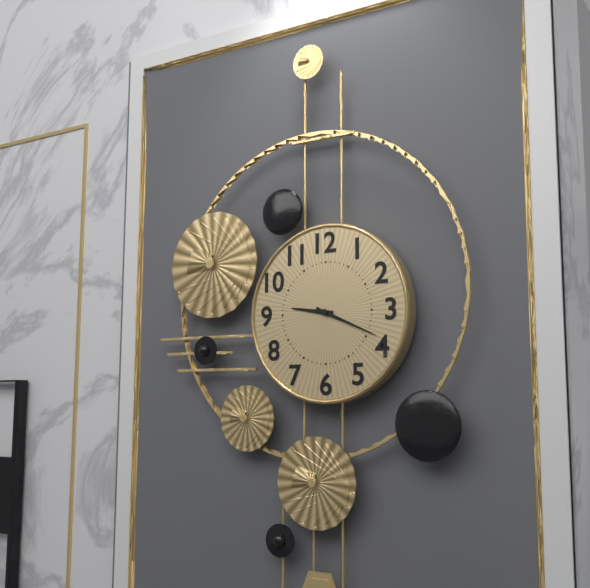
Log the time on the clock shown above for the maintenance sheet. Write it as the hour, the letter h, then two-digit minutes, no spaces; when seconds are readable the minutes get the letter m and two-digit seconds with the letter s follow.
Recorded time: 9h19
